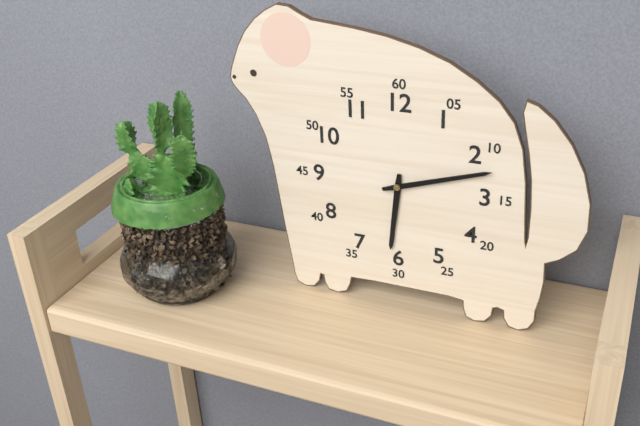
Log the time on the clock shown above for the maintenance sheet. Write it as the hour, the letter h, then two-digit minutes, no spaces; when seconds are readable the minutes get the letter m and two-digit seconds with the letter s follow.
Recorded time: 6h12
